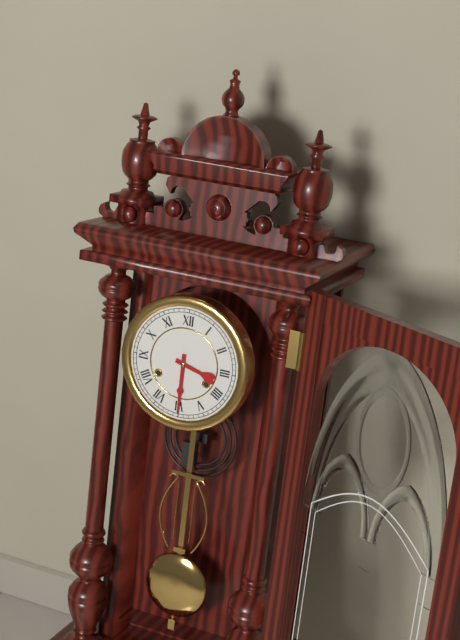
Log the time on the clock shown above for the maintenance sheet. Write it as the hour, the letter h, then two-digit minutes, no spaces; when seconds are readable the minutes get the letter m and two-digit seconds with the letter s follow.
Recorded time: 3h30
